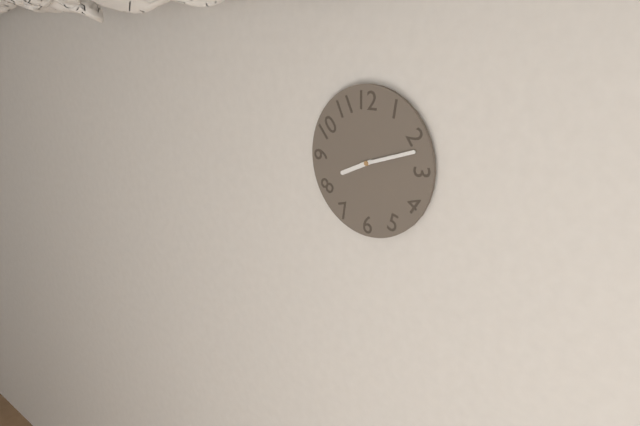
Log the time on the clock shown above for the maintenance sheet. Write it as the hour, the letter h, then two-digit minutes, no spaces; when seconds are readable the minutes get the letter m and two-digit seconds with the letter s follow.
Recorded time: 8h12
